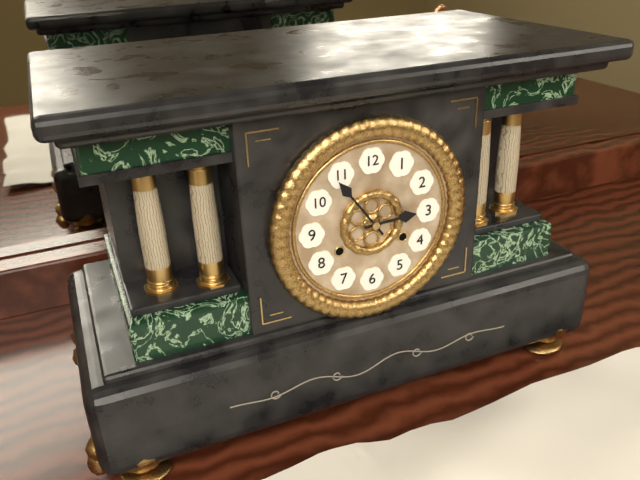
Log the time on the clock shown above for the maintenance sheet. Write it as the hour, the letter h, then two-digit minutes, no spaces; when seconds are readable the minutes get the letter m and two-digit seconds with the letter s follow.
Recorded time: 2h54
